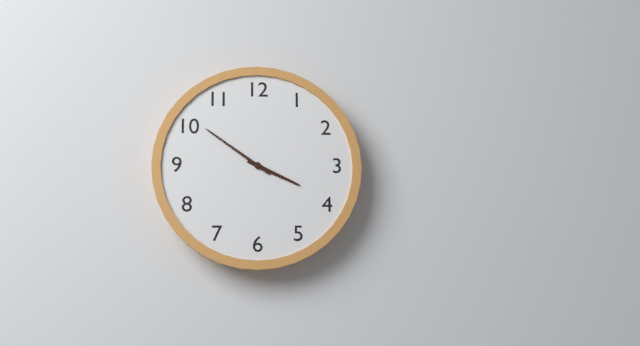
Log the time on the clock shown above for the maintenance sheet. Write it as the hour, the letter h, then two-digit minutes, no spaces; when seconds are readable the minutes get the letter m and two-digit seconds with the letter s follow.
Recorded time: 3h51
